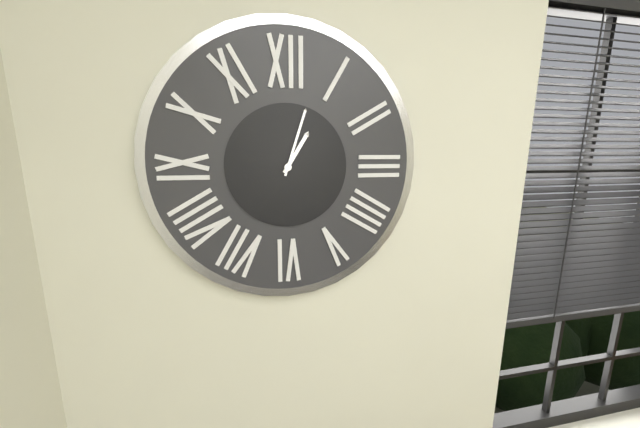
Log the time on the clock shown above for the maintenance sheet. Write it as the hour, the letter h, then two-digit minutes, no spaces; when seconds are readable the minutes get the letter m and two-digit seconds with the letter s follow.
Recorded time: 1h03
